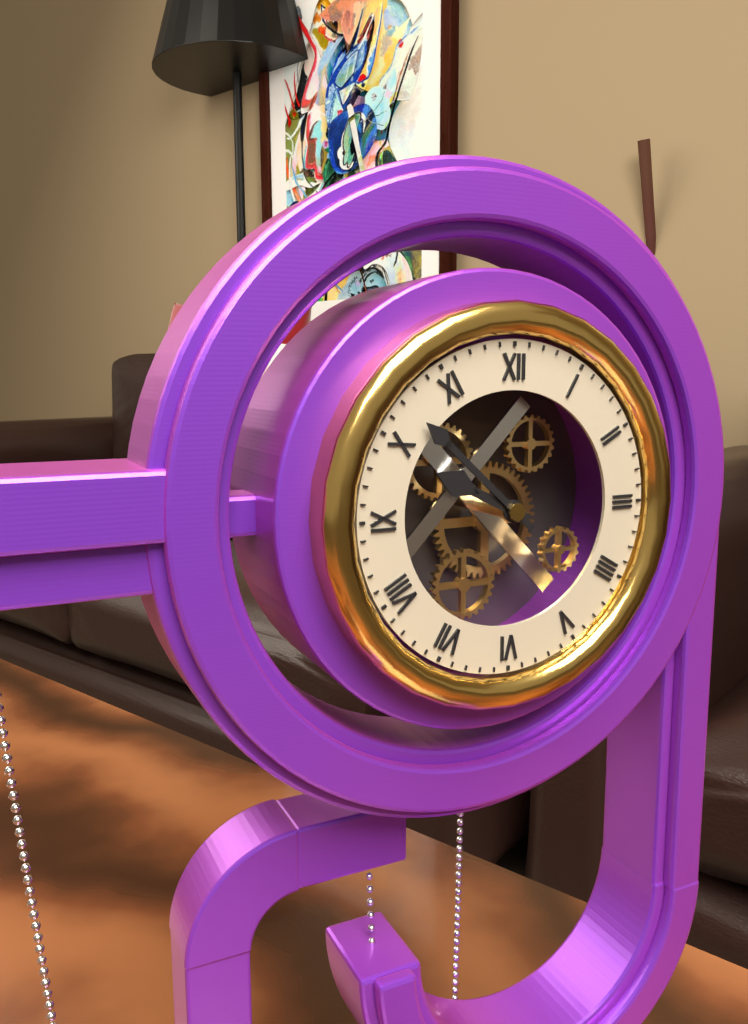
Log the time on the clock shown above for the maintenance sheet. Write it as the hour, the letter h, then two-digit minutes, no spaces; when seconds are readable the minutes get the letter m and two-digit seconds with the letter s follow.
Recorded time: 9h52
